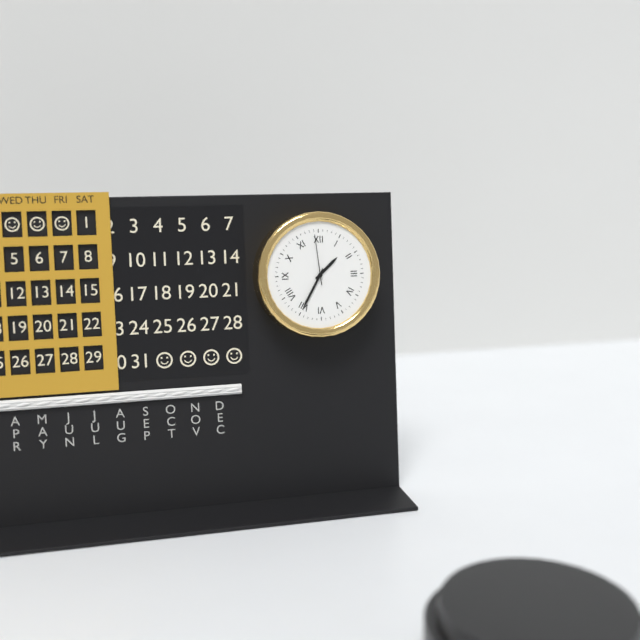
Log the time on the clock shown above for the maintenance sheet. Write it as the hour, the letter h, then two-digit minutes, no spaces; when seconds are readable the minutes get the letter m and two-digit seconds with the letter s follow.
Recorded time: 1h35m59s
